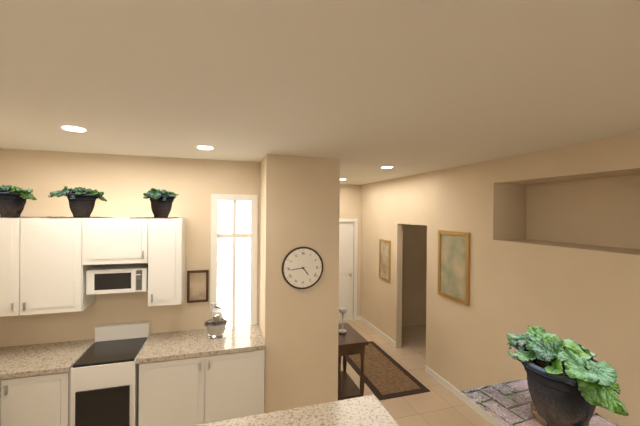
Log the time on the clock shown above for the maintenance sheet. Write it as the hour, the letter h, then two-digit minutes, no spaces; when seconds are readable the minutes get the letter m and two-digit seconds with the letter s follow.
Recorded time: 4h44
